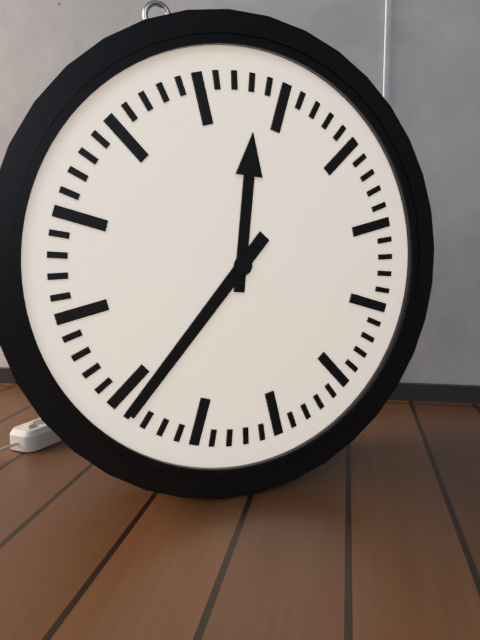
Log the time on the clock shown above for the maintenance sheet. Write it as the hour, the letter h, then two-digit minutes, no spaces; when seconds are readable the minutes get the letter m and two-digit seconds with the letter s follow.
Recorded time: 12h39
